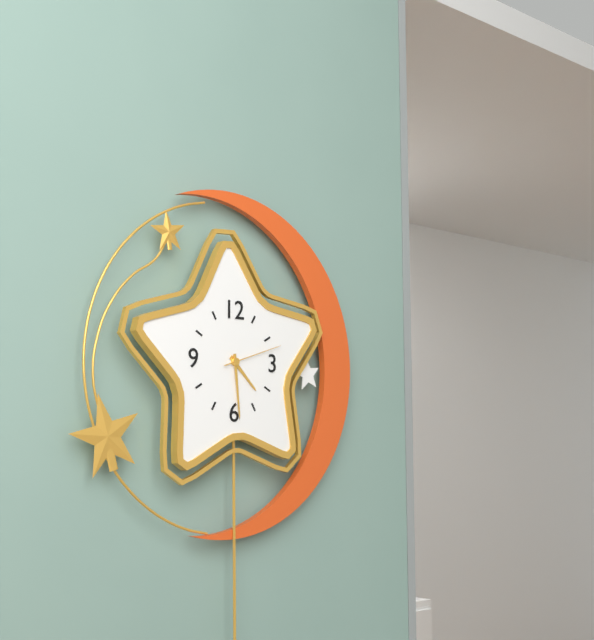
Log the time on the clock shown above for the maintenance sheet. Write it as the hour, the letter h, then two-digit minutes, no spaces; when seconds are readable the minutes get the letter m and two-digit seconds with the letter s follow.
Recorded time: 4h29m12s
